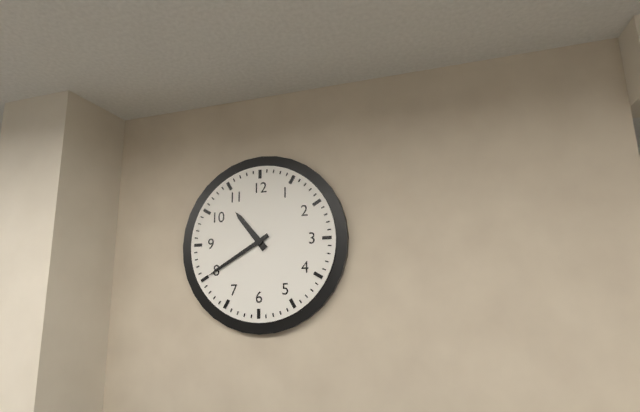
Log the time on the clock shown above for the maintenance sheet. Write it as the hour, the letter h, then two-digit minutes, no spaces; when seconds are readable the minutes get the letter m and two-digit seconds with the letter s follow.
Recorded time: 10h40
